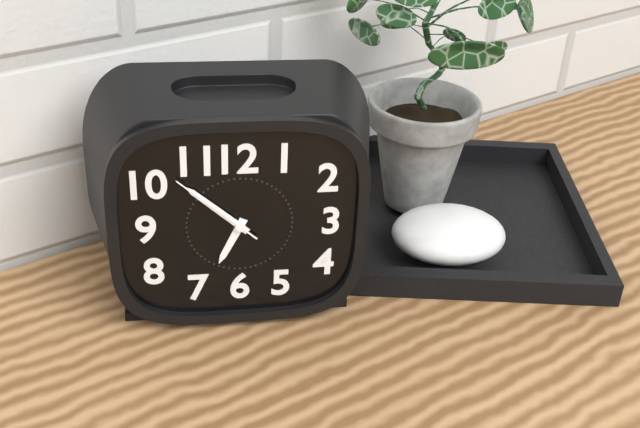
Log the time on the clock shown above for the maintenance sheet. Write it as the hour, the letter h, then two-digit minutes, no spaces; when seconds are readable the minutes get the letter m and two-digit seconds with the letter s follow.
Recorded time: 6h52m52s
